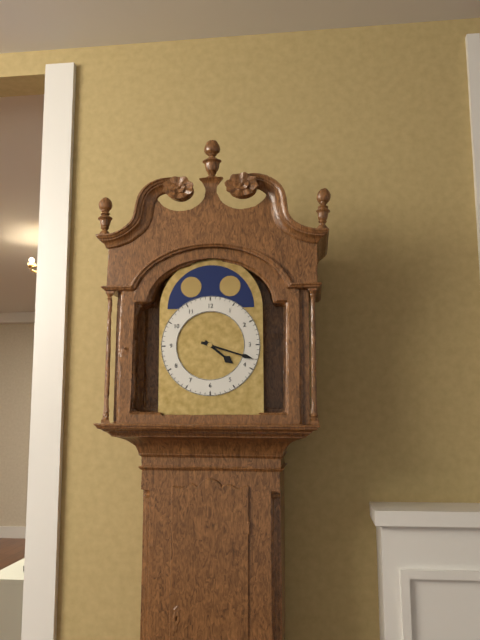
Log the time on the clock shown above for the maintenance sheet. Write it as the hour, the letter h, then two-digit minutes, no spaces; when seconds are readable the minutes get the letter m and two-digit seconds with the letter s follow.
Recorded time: 4h18
